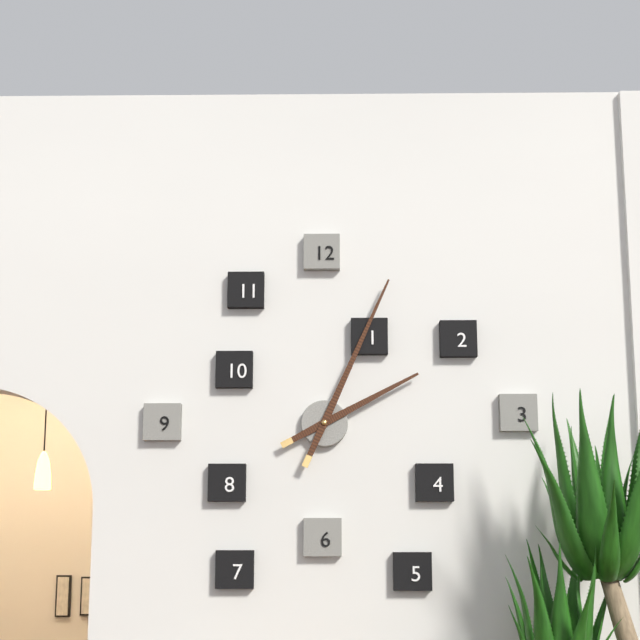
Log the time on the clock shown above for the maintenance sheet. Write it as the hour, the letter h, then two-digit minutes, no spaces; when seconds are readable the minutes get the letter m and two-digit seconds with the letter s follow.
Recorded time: 2h04
